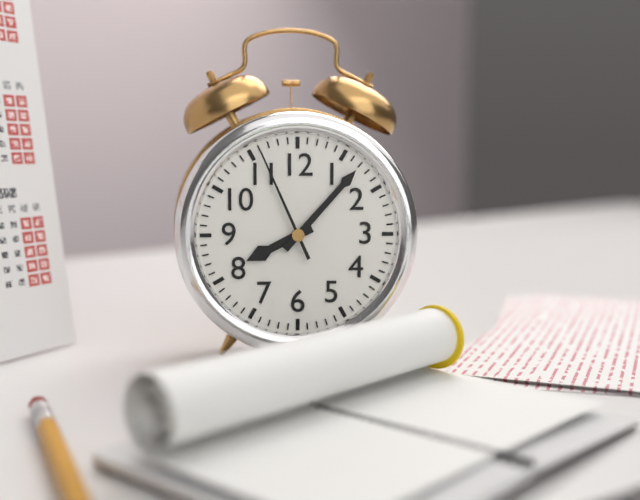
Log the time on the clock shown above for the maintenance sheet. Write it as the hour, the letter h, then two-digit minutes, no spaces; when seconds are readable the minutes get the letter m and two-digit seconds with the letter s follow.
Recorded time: 8h07m56s
